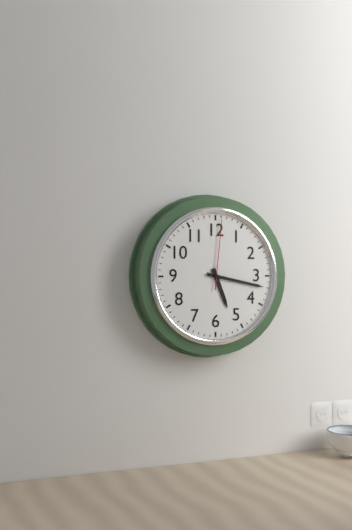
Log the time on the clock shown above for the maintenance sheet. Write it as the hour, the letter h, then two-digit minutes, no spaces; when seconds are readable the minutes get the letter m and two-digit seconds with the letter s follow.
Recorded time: 5h17m01s
